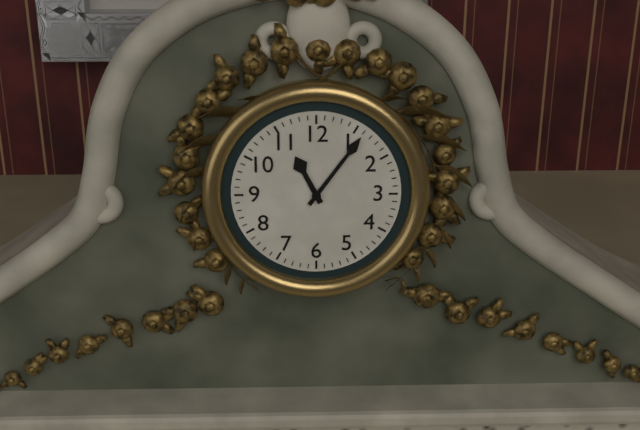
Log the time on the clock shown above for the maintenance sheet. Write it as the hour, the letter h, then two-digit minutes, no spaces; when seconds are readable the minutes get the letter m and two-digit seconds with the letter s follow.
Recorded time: 11h06
